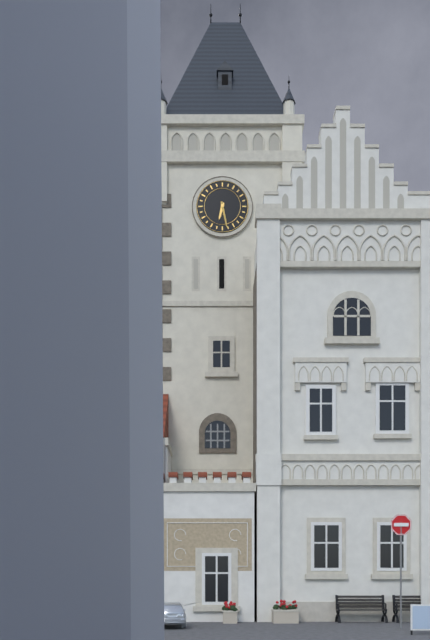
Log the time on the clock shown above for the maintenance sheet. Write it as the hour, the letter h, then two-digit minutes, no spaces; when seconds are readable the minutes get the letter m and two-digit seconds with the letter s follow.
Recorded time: 6h28
